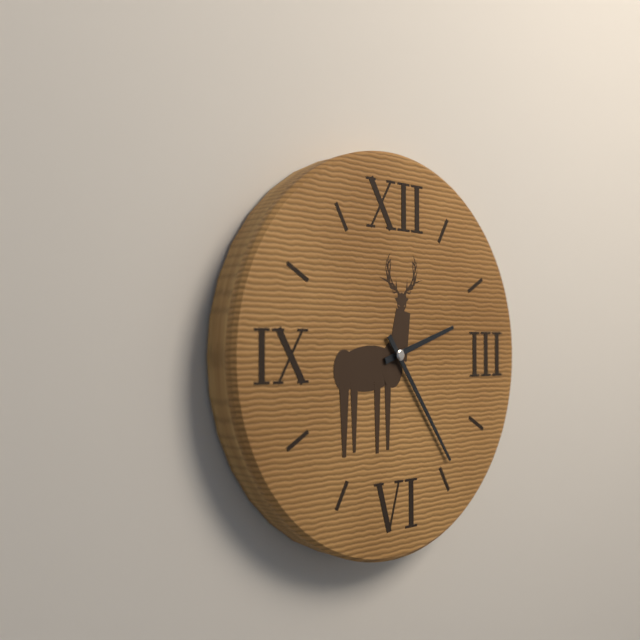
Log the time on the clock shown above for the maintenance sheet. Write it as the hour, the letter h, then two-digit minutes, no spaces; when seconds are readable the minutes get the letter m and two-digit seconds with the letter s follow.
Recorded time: 2h24
